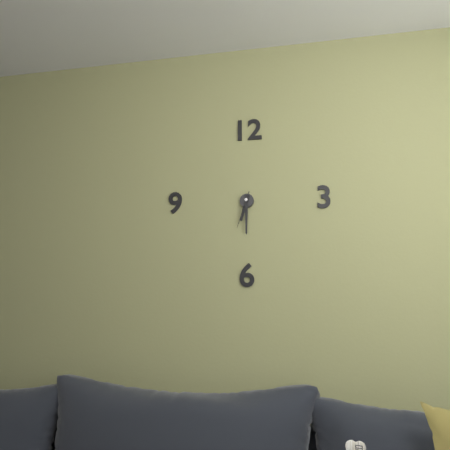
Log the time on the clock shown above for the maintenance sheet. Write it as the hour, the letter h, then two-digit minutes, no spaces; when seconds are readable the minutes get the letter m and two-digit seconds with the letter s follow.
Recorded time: 6h30
